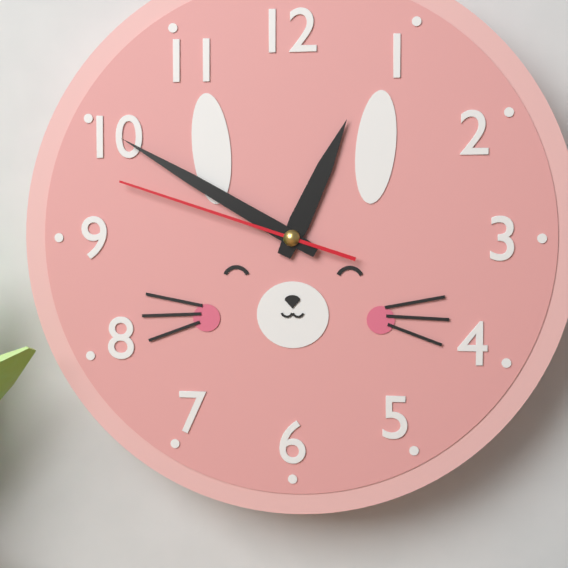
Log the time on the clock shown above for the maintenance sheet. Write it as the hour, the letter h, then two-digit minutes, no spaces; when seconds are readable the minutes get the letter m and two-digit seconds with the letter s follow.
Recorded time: 12h50m48s
